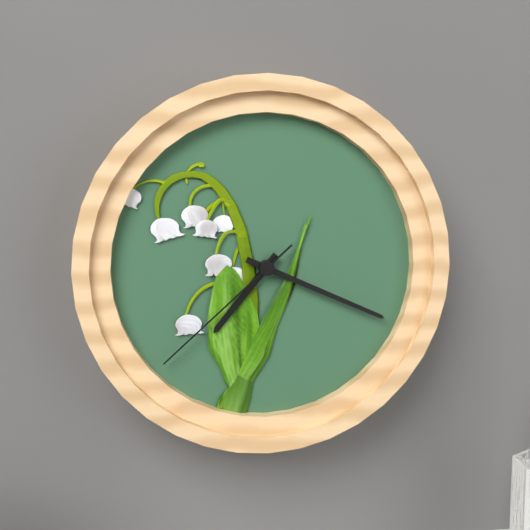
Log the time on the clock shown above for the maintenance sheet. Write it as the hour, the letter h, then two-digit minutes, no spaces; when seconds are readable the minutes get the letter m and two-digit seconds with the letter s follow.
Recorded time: 7h19m38s
